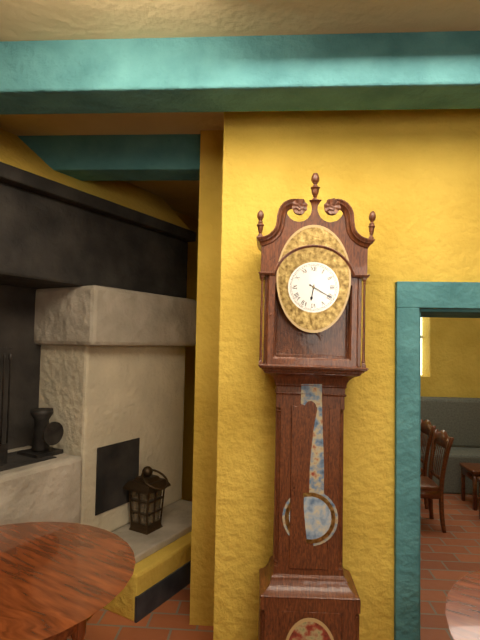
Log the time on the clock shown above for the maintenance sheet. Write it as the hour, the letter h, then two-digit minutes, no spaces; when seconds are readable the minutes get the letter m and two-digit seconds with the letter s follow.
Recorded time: 6h20
